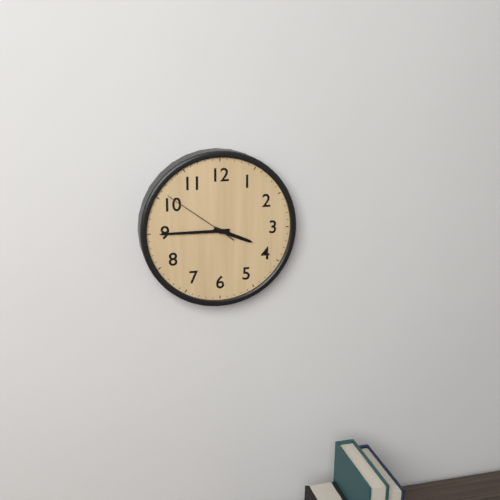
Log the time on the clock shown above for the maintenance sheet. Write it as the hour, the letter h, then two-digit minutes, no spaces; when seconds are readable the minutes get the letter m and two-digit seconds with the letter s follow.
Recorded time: 3h45m51s
